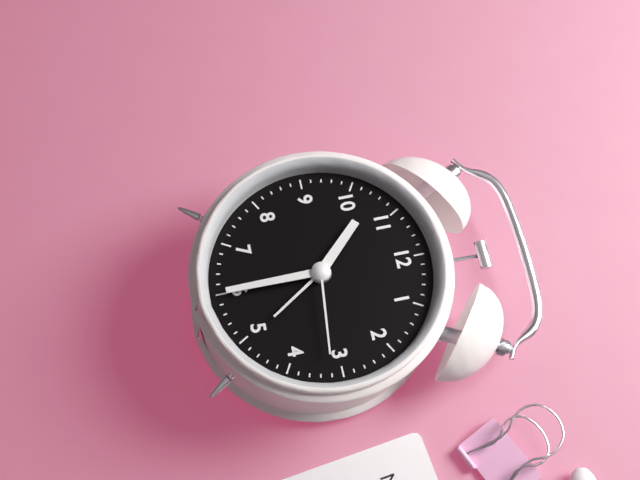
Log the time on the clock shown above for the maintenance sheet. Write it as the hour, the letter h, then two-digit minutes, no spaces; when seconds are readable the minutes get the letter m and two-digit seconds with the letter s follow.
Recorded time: 10h30m16s
